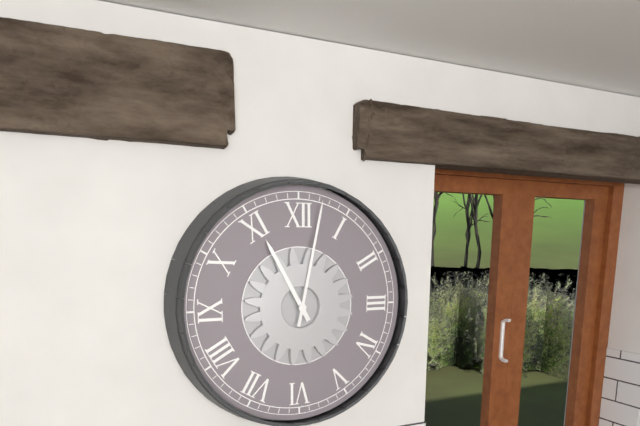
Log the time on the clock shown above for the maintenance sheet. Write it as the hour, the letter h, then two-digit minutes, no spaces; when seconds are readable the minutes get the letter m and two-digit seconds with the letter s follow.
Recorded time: 11h02
